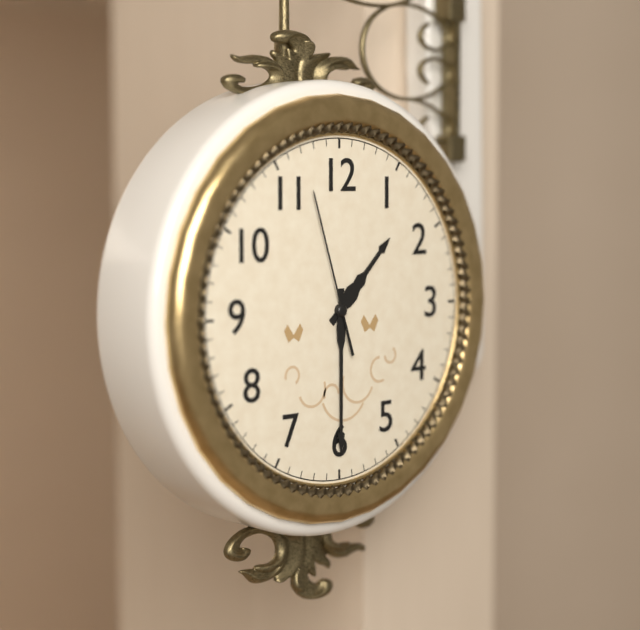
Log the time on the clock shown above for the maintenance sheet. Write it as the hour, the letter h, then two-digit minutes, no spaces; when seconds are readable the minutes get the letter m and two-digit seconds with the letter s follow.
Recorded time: 1h30m57s
